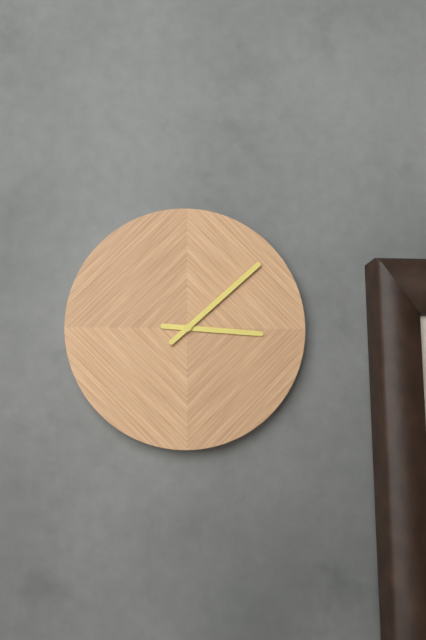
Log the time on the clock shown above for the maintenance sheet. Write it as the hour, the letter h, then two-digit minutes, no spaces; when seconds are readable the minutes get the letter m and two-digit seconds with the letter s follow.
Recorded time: 3h08
